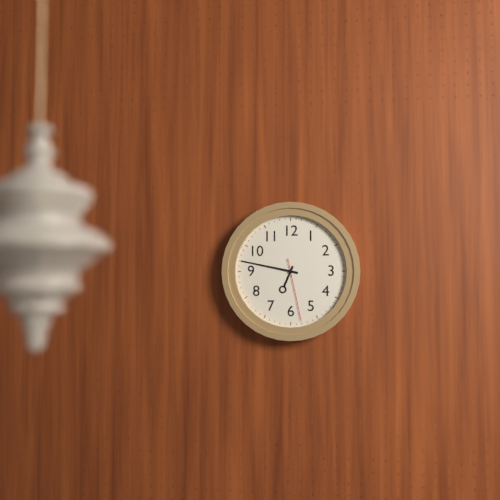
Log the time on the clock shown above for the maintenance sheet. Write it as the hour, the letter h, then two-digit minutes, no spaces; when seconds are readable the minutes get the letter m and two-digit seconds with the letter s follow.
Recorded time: 6h47m28s
